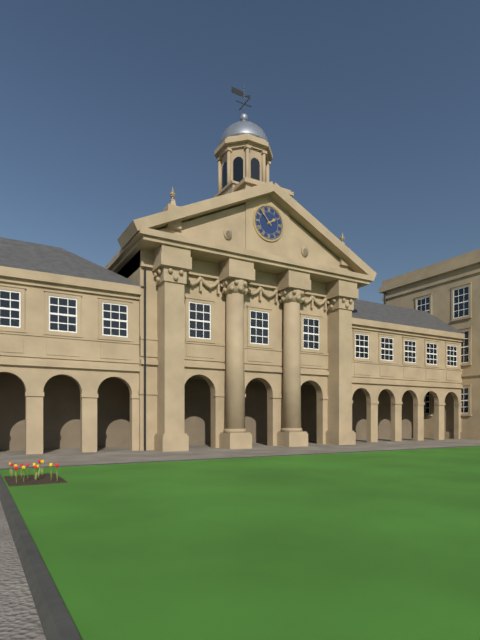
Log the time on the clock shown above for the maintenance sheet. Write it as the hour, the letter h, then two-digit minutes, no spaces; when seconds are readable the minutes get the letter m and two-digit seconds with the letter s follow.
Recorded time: 1h53
